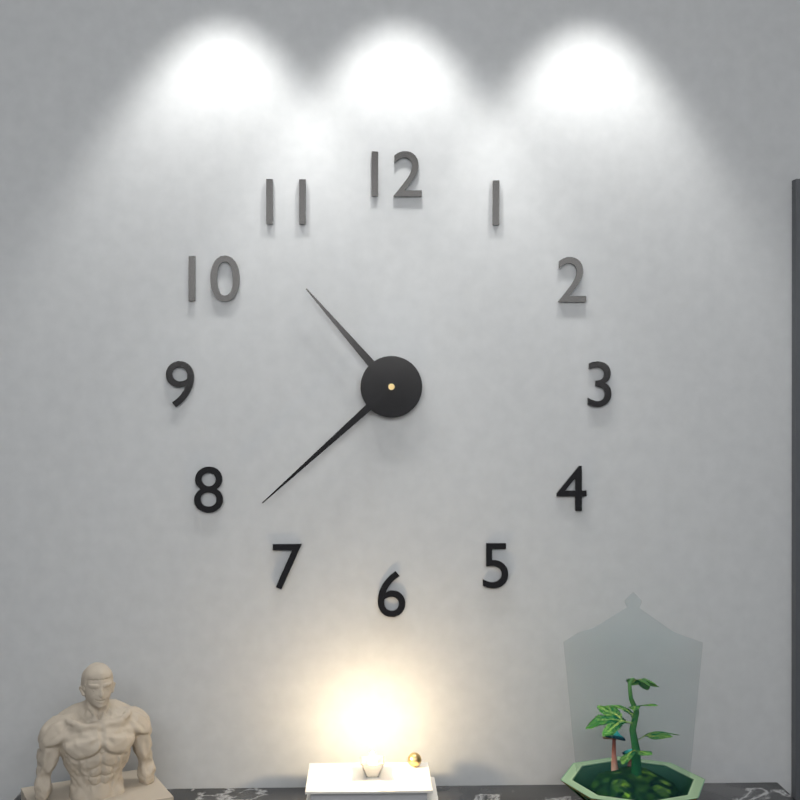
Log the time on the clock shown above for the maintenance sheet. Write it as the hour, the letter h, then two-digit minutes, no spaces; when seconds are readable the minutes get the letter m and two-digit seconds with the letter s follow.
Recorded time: 10h38
